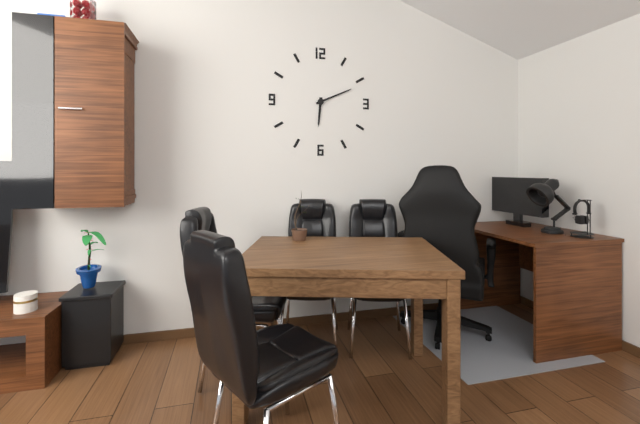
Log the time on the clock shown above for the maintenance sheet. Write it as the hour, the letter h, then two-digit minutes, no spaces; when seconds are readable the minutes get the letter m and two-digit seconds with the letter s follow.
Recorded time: 6h11
